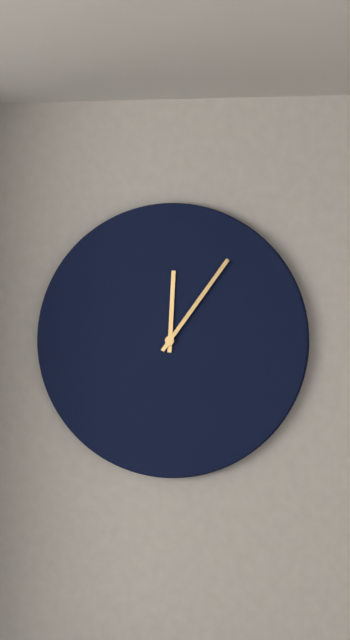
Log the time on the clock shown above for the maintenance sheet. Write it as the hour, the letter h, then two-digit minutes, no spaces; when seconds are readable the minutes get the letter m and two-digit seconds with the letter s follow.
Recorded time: 12h06
